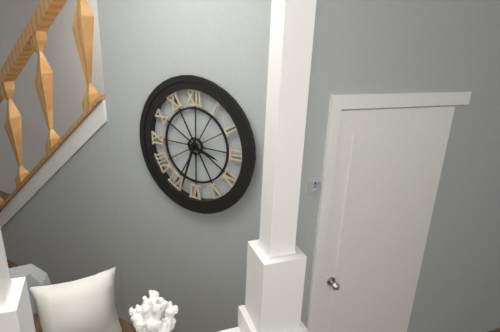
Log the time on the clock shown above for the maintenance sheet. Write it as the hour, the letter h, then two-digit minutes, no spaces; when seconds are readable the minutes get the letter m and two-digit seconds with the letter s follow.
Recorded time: 3h33
